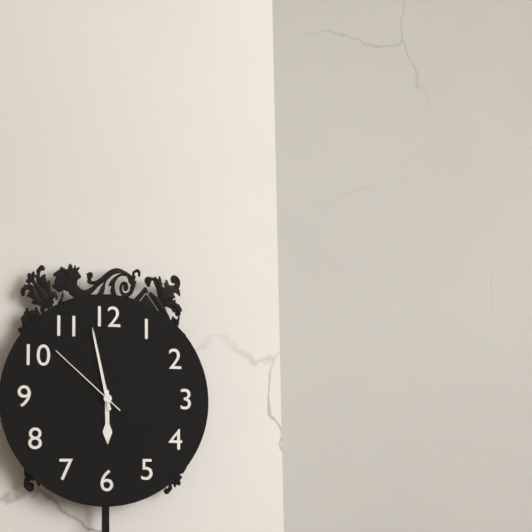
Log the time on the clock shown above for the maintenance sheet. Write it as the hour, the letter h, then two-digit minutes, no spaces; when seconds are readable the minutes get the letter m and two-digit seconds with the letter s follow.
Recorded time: 5h58m52s
